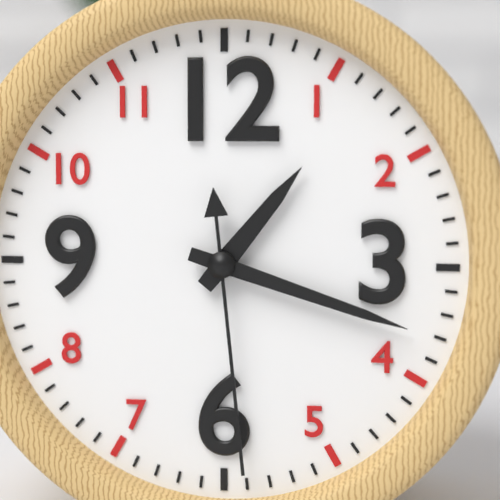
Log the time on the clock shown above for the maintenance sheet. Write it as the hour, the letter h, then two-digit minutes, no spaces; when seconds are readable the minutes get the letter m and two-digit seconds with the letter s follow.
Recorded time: 1h18m29s
